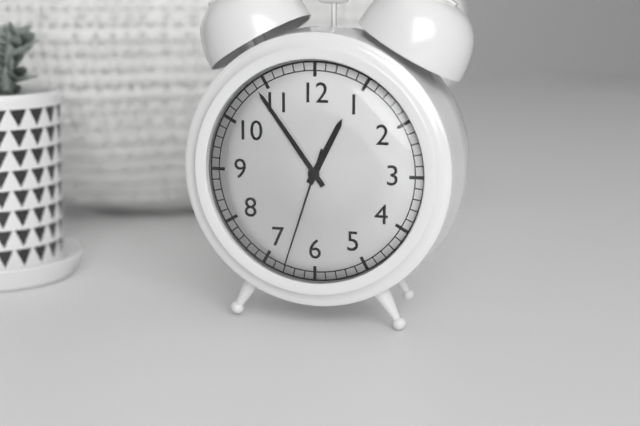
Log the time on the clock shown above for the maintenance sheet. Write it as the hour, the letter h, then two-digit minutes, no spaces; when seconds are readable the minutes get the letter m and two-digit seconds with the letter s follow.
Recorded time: 12h54m33s
